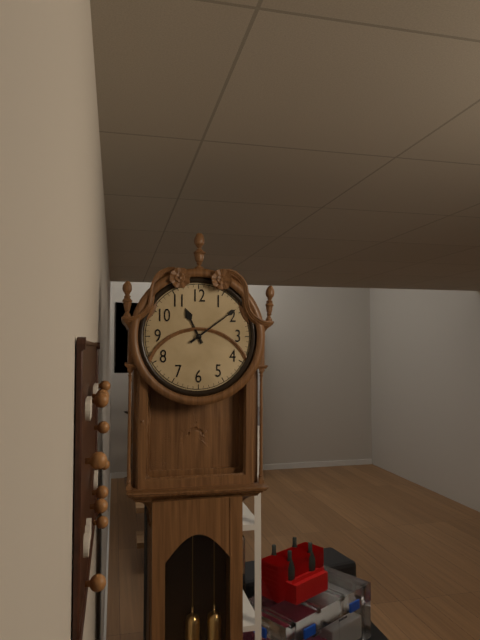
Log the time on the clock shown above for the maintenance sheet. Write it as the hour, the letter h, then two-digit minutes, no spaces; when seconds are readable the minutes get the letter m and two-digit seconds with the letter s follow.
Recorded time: 11h09
